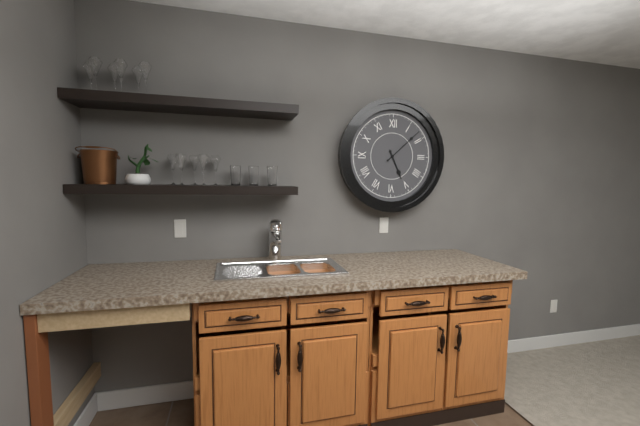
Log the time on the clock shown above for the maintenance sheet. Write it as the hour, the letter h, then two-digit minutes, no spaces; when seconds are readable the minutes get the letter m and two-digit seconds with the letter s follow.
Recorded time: 5h08
